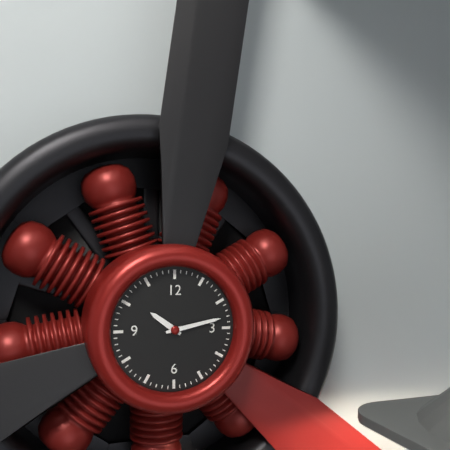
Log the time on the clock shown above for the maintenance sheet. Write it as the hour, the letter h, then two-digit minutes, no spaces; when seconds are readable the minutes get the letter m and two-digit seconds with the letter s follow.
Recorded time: 10h13
